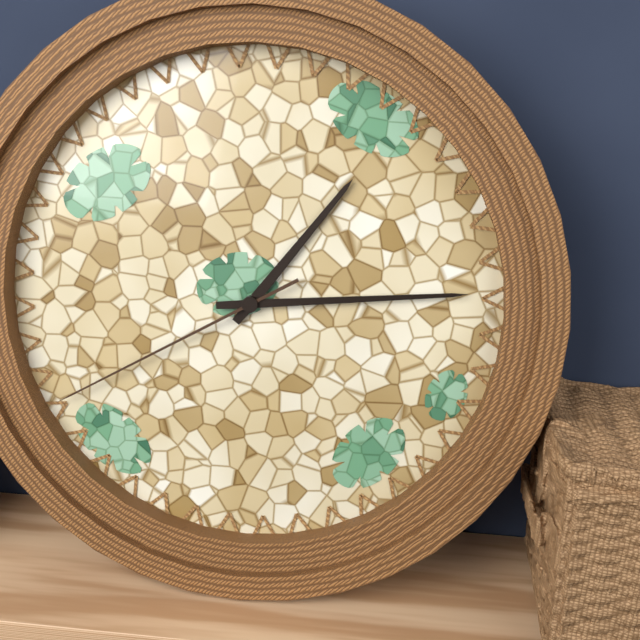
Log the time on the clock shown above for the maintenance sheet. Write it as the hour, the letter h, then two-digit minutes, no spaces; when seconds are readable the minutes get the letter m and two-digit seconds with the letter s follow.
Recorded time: 1h14m40s
